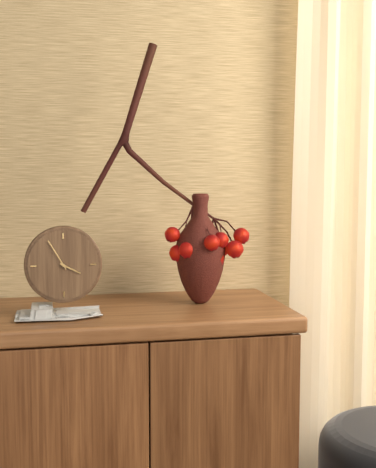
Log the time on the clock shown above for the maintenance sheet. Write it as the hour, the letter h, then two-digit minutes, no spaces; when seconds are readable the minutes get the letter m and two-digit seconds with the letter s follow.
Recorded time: 3h55
